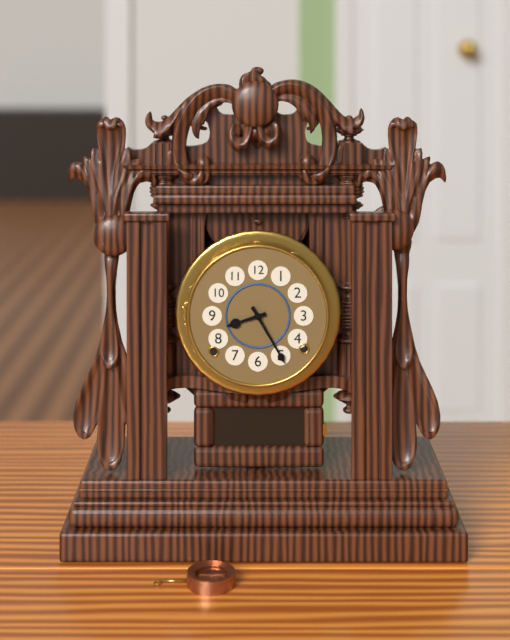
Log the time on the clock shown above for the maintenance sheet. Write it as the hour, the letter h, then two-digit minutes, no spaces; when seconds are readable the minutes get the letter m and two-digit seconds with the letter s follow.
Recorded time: 8h25
